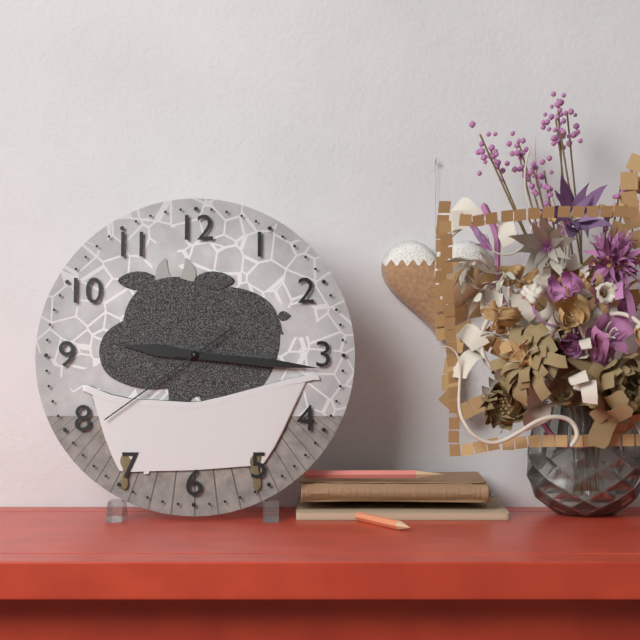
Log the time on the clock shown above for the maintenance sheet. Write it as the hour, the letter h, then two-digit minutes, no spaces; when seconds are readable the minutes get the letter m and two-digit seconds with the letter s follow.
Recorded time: 9h16m39s
